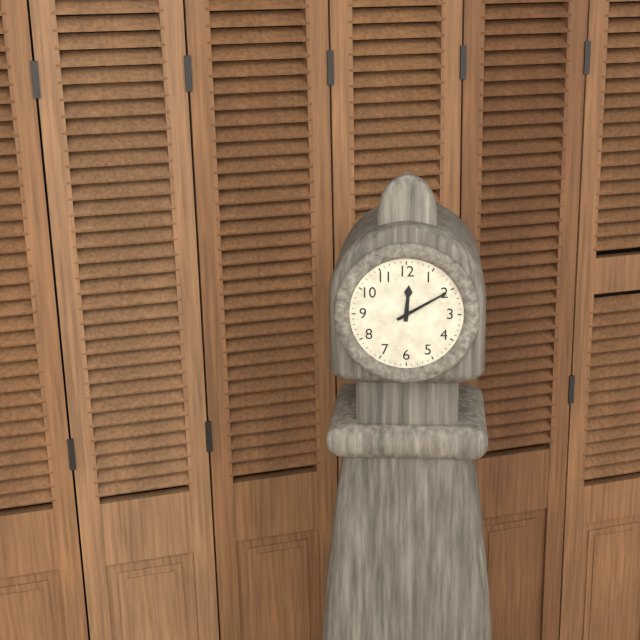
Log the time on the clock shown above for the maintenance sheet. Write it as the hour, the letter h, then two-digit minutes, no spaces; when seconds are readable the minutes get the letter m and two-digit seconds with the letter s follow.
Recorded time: 12h10
